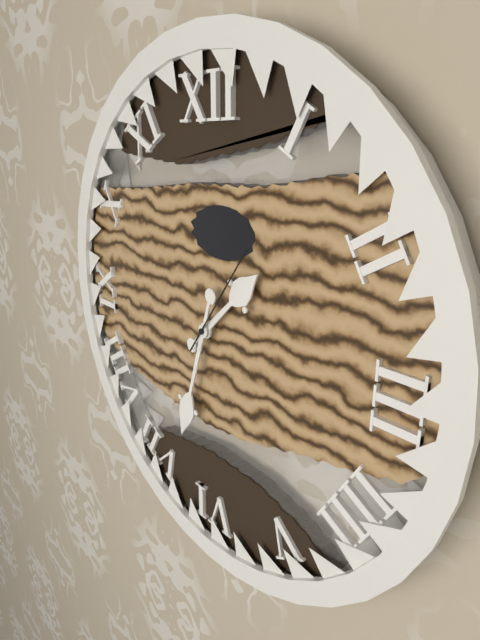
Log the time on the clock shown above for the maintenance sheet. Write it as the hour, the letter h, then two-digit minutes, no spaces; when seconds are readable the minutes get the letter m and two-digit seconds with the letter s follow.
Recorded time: 1h33m06s
